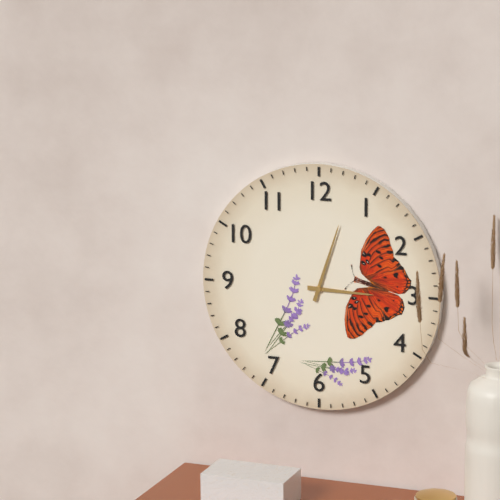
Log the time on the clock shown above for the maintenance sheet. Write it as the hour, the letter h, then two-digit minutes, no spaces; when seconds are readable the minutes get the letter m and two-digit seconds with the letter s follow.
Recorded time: 3h03
